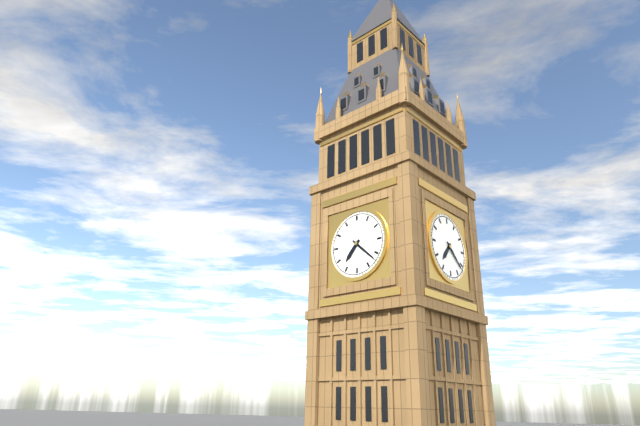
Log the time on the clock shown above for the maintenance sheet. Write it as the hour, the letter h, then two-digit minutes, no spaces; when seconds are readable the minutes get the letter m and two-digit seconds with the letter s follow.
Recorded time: 7h22
